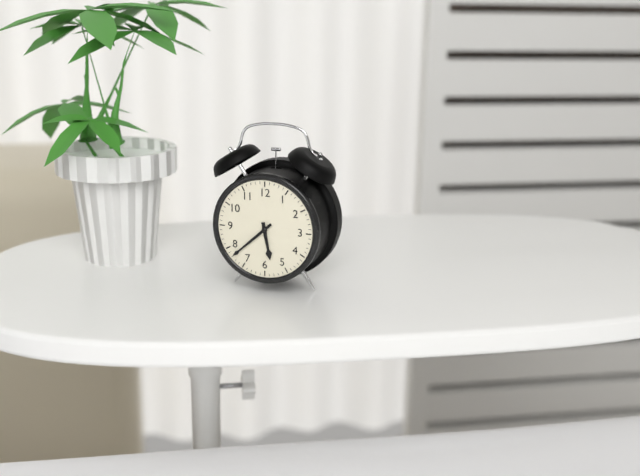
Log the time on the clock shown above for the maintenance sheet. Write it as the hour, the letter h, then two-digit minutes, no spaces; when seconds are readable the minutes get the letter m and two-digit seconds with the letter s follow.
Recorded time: 5h38
